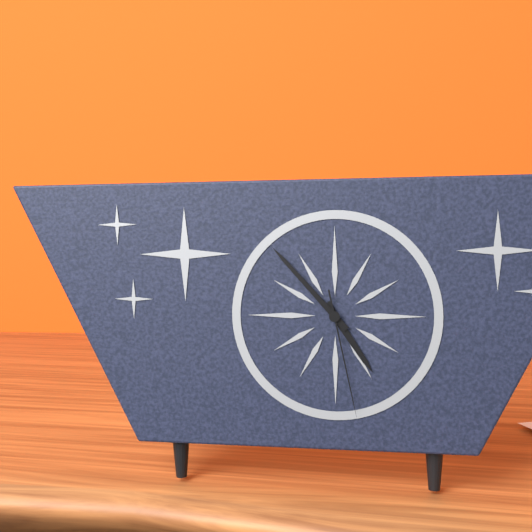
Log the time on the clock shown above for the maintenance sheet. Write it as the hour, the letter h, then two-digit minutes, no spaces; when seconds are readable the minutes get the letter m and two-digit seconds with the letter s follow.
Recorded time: 4h53m28s
